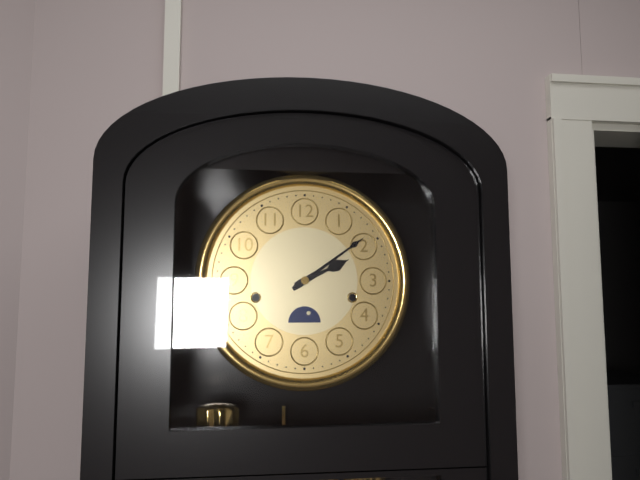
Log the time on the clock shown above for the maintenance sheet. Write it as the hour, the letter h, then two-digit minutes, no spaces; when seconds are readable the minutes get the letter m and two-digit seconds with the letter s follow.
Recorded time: 2h09
